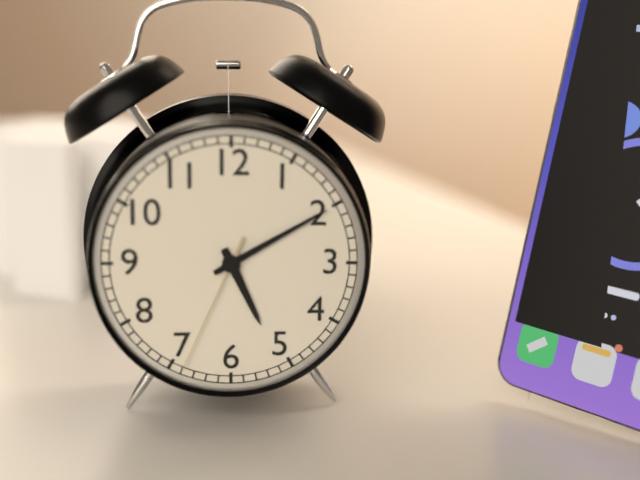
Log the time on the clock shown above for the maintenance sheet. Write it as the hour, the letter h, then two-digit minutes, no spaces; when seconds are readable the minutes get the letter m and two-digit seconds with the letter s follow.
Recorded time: 5h10m34s
